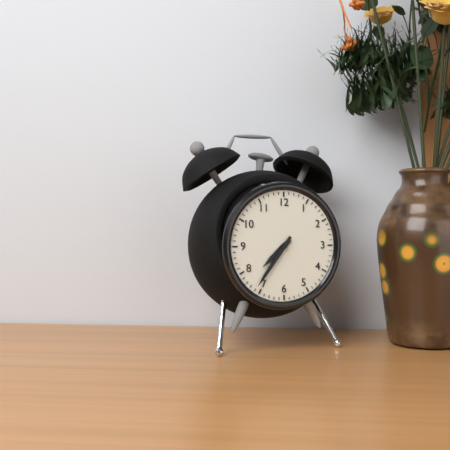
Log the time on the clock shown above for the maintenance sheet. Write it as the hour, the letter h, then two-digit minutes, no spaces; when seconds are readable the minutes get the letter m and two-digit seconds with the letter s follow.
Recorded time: 7h36
